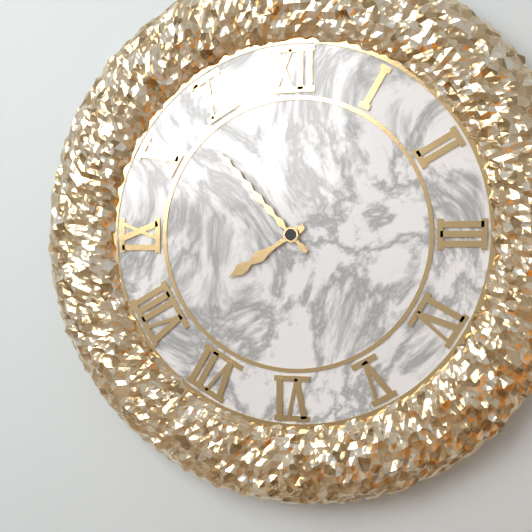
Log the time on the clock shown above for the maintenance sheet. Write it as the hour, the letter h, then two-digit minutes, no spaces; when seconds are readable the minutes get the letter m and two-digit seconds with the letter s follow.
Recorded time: 7h53
